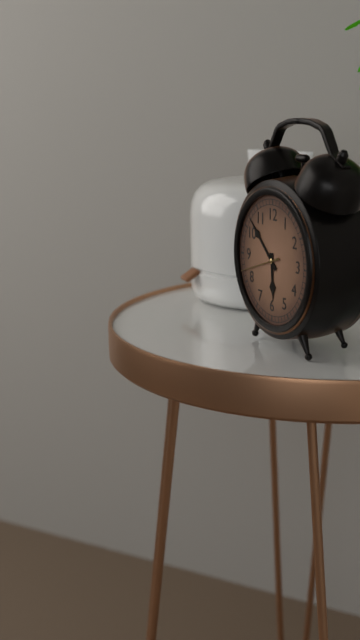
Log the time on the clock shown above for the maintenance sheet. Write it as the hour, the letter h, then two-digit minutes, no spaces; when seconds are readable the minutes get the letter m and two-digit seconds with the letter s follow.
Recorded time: 5h52
